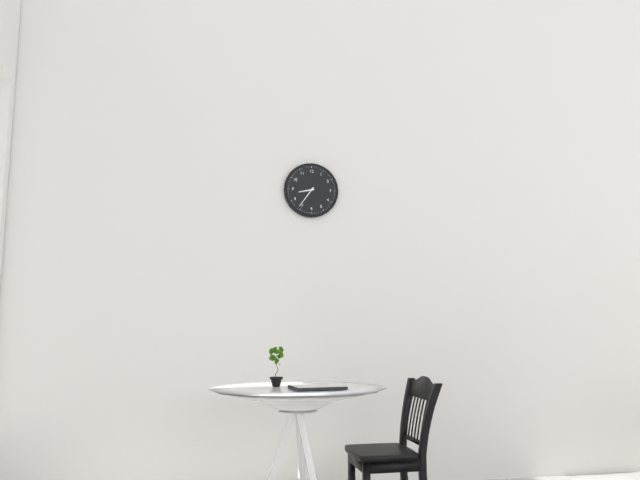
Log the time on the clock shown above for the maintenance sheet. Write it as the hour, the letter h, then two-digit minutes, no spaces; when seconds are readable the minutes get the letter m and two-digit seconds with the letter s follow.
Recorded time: 8h36
